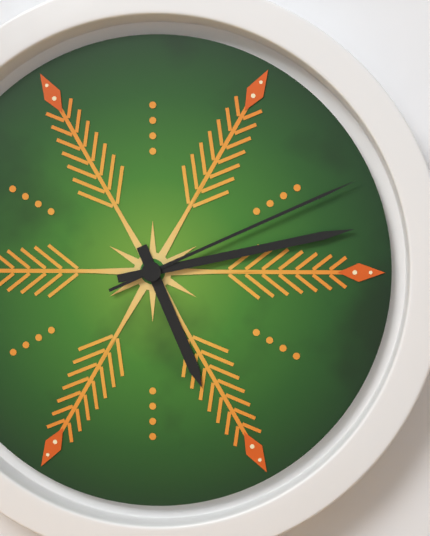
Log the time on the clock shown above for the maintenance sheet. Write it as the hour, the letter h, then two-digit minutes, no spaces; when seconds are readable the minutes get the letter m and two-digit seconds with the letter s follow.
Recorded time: 5h13m11s
